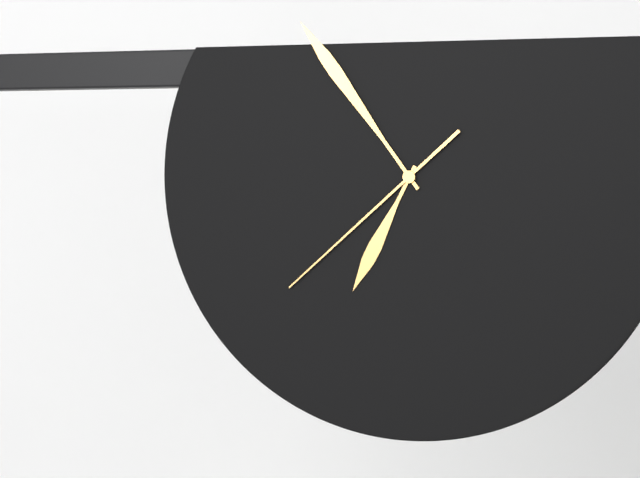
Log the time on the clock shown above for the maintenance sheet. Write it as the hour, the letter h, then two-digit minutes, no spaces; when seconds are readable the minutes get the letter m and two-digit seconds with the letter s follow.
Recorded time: 6h54m38s
